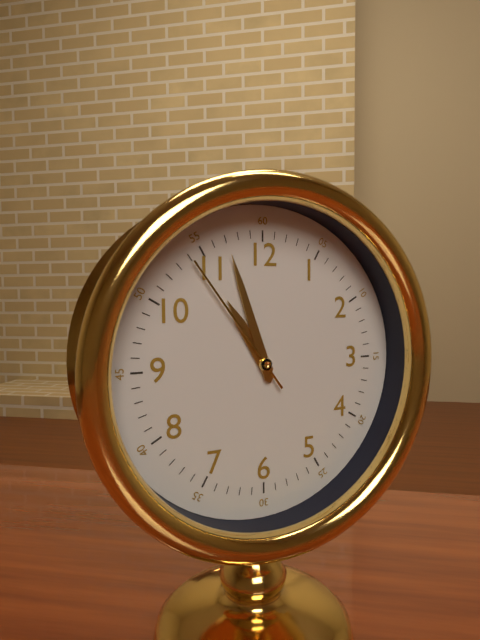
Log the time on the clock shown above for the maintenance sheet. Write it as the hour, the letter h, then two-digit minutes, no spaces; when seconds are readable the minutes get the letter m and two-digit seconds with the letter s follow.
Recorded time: 10h57m54s
